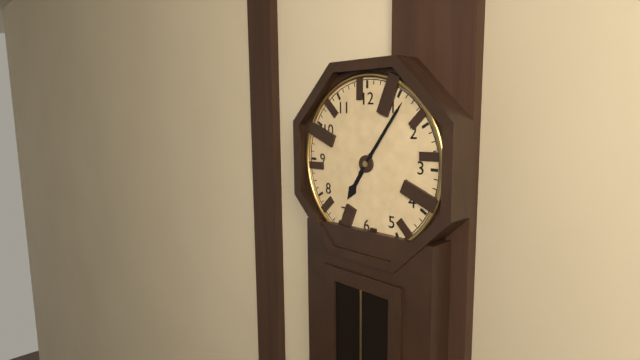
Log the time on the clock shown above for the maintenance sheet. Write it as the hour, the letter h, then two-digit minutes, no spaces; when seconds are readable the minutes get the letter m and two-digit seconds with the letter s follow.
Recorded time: 7h06
